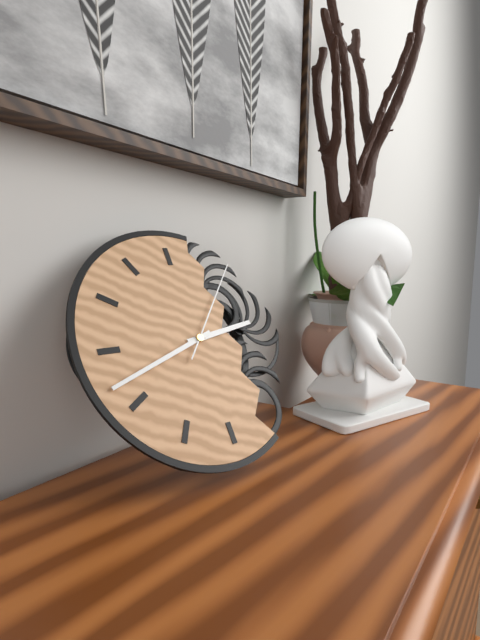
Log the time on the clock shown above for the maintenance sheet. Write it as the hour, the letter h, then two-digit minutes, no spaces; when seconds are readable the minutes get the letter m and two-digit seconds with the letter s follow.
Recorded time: 2h42m07s
